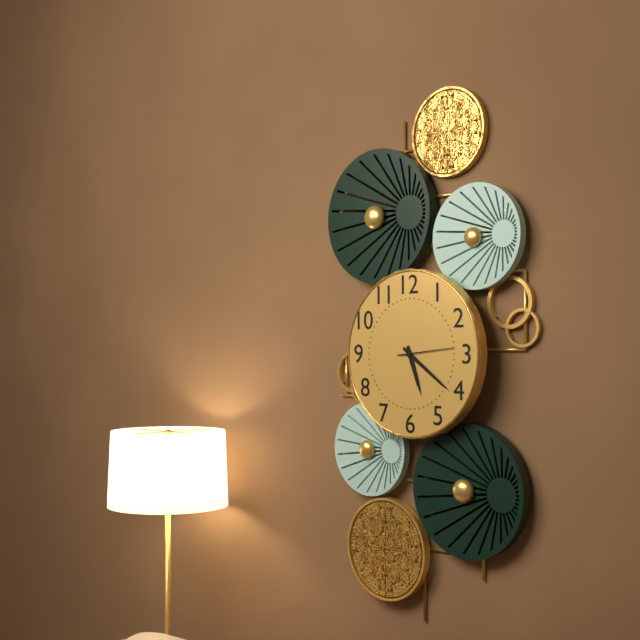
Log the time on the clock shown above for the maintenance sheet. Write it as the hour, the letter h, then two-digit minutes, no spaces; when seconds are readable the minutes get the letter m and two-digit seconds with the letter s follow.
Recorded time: 5h21m14s
